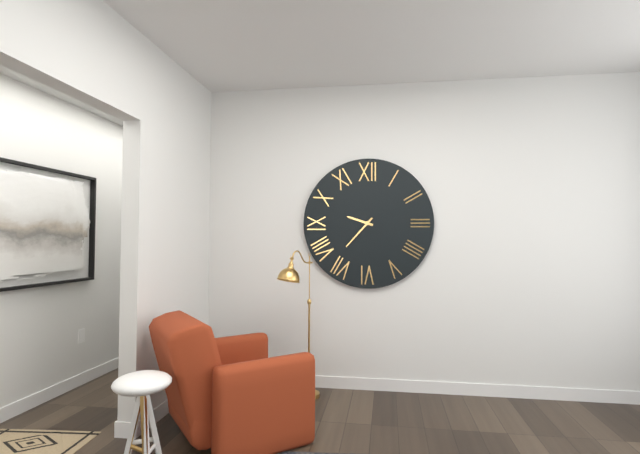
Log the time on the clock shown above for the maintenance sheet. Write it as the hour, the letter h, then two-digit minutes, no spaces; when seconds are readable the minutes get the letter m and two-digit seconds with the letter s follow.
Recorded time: 9h37
